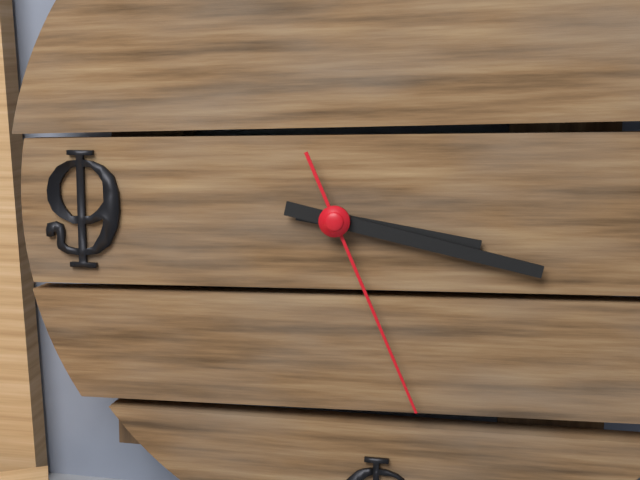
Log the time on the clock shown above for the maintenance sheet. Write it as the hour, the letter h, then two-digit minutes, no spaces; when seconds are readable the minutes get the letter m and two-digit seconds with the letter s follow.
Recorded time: 3h17m26s
